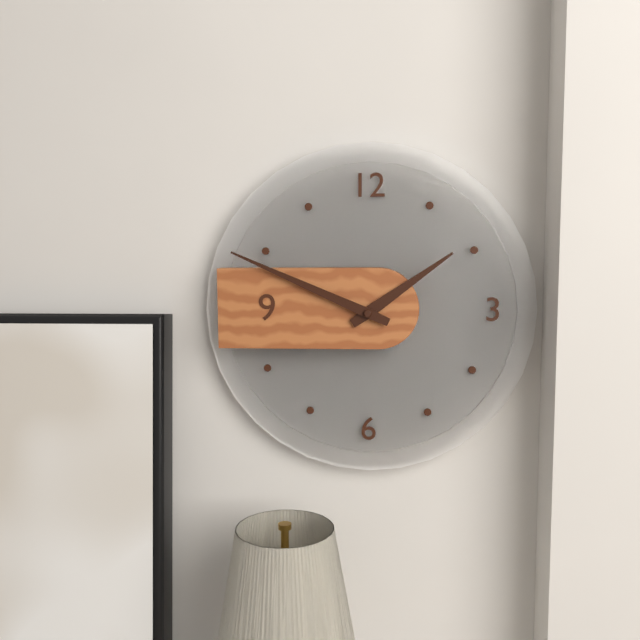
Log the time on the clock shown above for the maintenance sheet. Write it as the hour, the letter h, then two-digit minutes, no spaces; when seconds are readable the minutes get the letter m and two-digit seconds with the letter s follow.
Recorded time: 1h49
